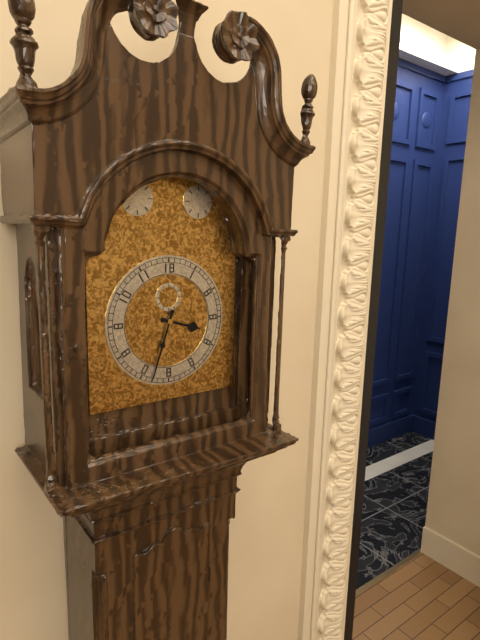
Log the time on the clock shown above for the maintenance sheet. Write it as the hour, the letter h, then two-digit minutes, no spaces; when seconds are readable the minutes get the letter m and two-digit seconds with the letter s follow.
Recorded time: 3h33
